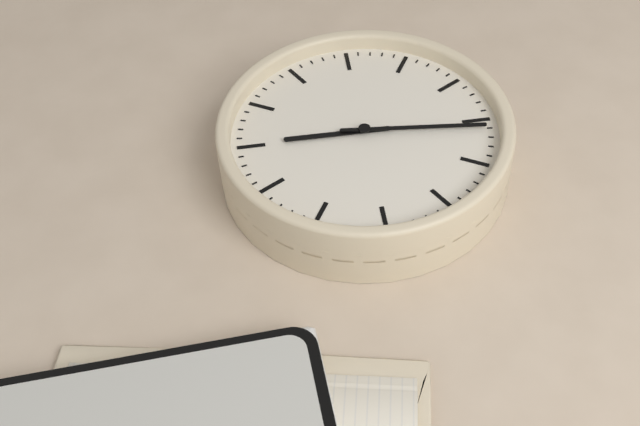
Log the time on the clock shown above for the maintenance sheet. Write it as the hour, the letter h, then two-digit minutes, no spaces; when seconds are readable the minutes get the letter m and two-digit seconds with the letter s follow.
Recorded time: 6h01
